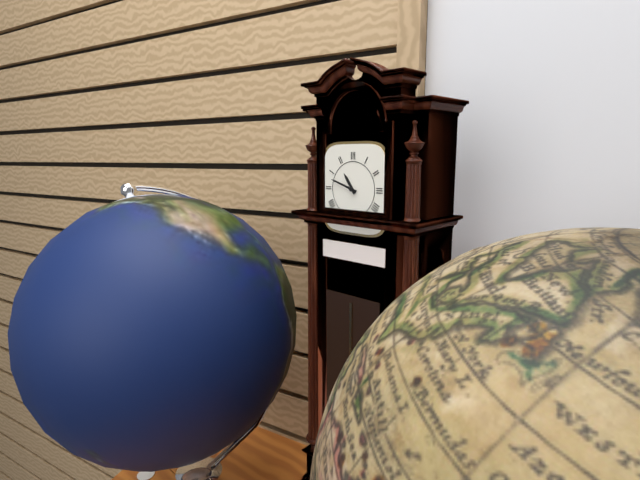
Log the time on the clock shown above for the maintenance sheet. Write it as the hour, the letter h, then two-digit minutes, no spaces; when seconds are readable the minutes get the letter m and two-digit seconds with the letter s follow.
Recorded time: 10h48
